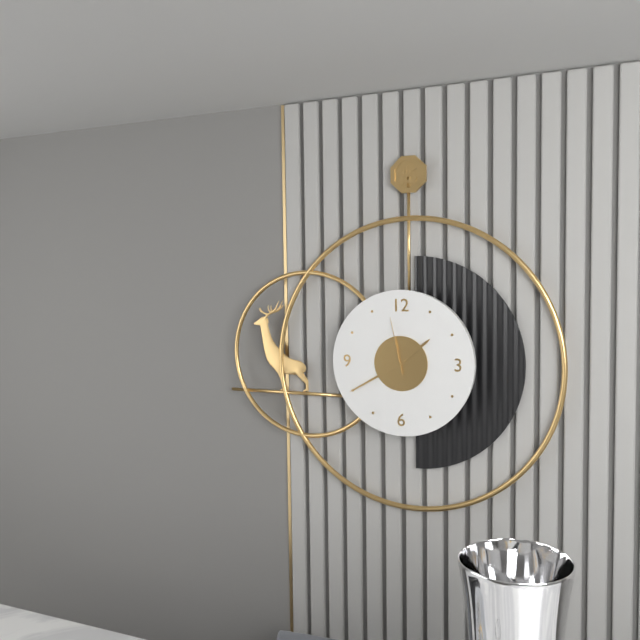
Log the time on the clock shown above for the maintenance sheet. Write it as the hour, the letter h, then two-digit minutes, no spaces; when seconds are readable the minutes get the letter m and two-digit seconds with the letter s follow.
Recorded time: 1h40m58s
